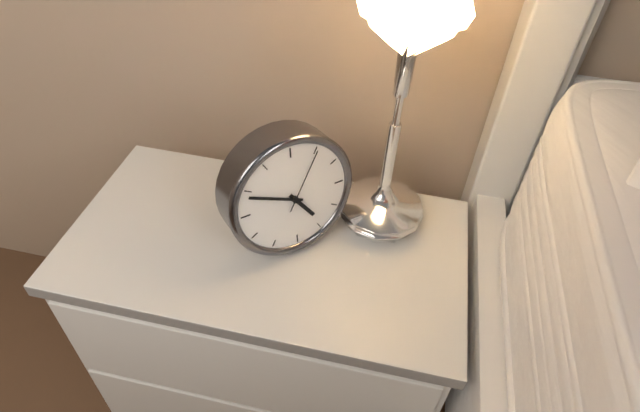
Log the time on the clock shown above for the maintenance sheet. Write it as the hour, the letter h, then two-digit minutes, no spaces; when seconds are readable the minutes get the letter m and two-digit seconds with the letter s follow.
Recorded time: 4h49m05s
